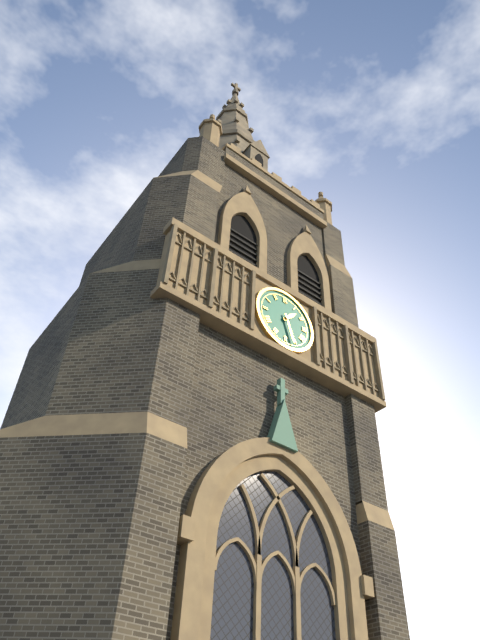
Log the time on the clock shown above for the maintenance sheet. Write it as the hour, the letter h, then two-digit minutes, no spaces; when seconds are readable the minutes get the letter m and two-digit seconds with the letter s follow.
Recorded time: 1h27
